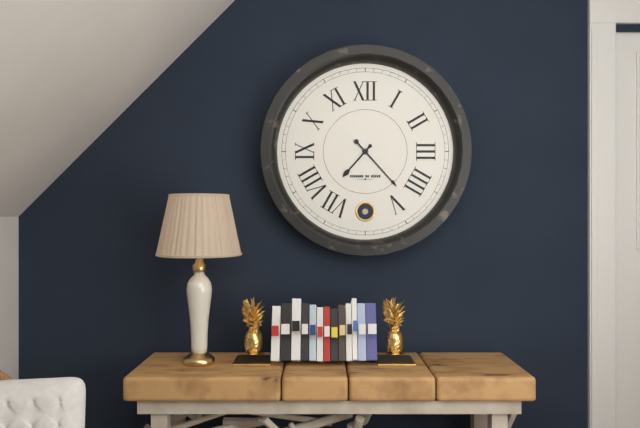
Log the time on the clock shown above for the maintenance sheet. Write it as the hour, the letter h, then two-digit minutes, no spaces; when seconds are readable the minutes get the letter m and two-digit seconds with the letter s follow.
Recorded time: 7h23
